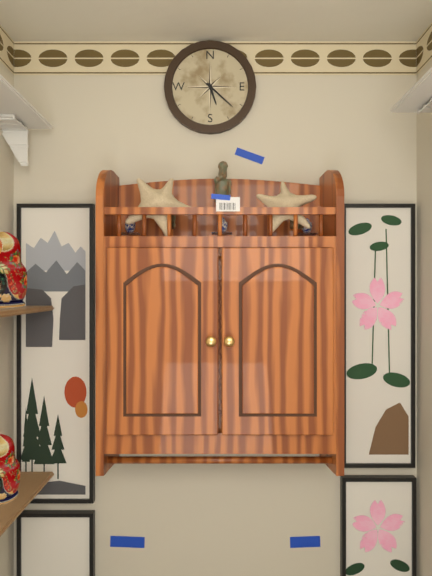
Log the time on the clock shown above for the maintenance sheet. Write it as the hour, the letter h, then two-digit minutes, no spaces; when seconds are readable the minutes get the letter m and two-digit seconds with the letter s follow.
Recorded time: 5h22
